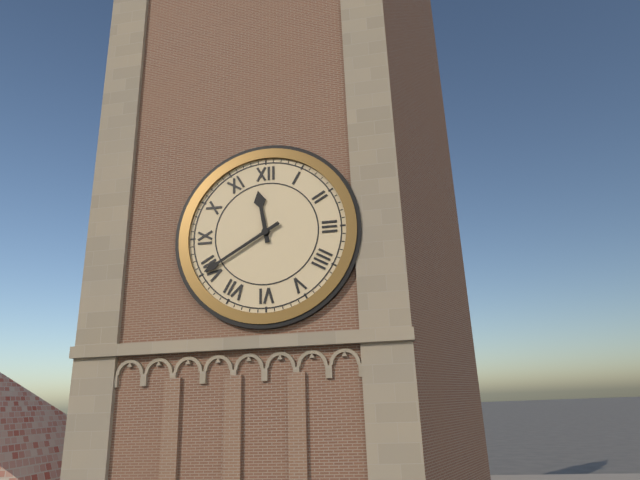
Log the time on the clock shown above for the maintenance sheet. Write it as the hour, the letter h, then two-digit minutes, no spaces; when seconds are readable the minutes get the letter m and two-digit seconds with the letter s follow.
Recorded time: 11h40
